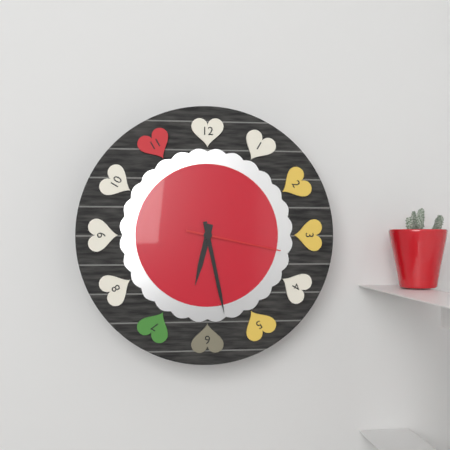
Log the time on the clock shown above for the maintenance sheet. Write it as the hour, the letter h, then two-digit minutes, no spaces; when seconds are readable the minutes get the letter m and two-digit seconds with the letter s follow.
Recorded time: 6h28m17s
